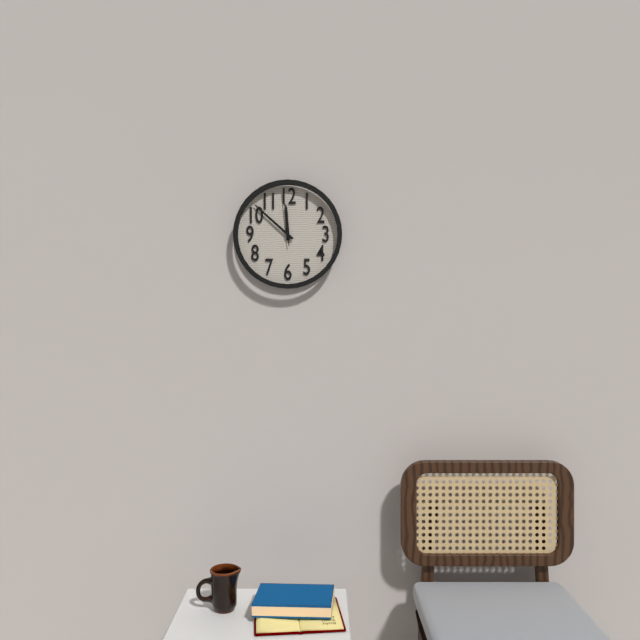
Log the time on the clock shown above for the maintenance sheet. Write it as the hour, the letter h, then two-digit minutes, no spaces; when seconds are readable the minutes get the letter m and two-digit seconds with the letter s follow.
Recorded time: 11h52m59s
